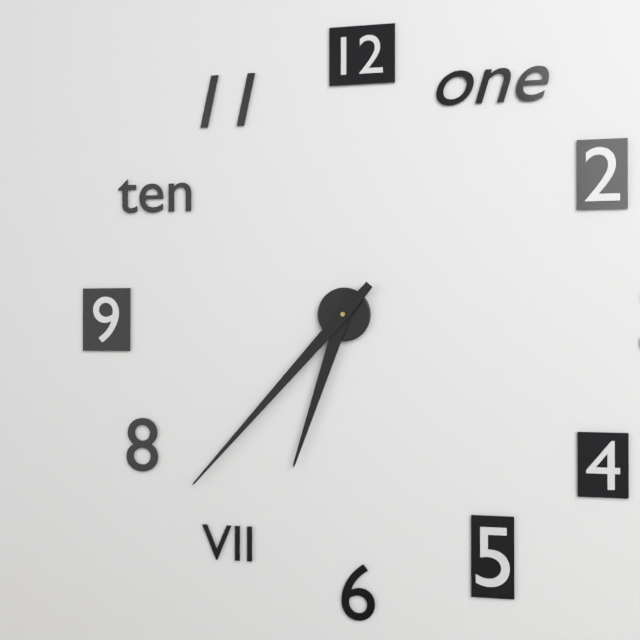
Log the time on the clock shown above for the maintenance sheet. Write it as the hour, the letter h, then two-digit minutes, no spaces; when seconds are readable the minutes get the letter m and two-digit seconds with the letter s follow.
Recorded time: 6h37
